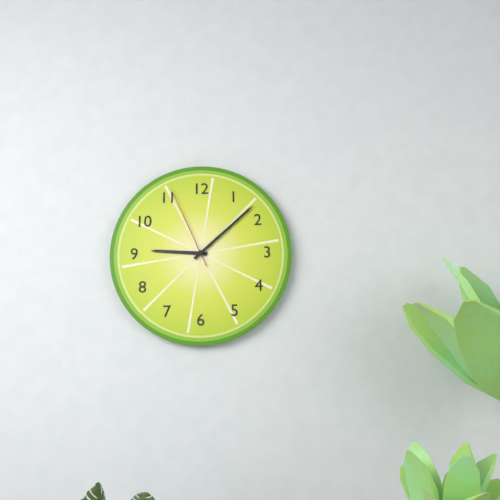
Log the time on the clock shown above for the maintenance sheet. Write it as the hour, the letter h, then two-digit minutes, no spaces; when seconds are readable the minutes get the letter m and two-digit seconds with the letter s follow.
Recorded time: 9h08m56s
